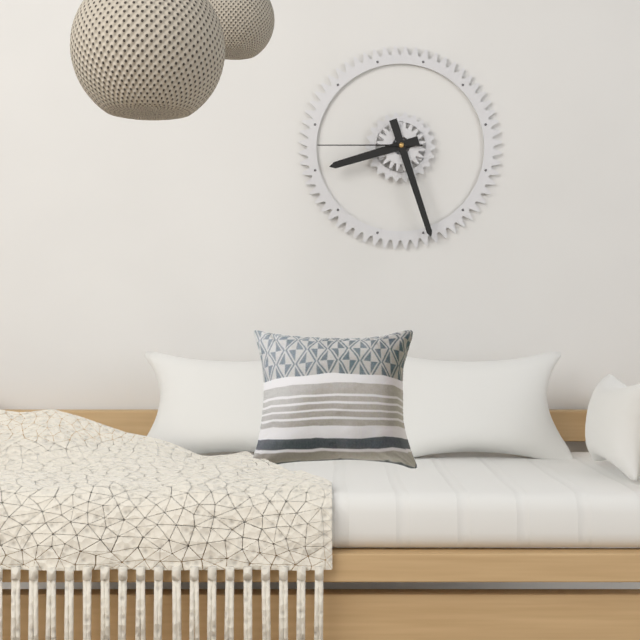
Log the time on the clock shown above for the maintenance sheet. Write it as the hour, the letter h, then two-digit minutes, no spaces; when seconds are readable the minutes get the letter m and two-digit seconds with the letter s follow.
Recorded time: 8h27m45s
